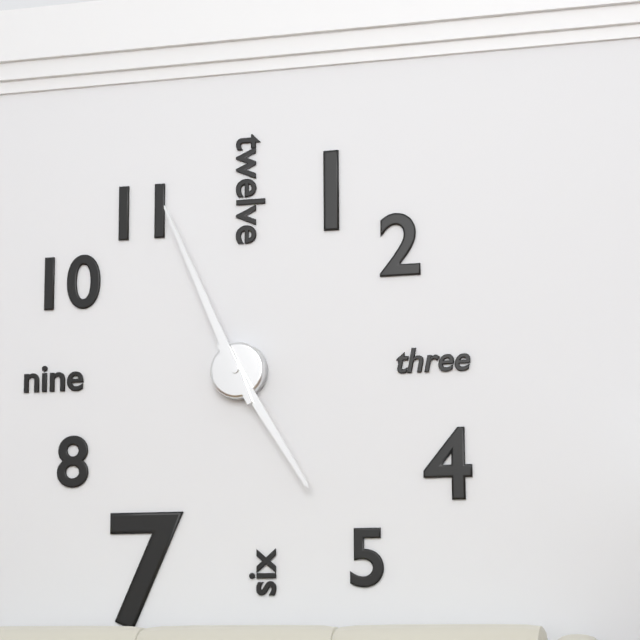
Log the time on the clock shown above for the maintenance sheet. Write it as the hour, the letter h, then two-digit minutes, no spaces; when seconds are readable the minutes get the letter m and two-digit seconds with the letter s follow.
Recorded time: 4h56
